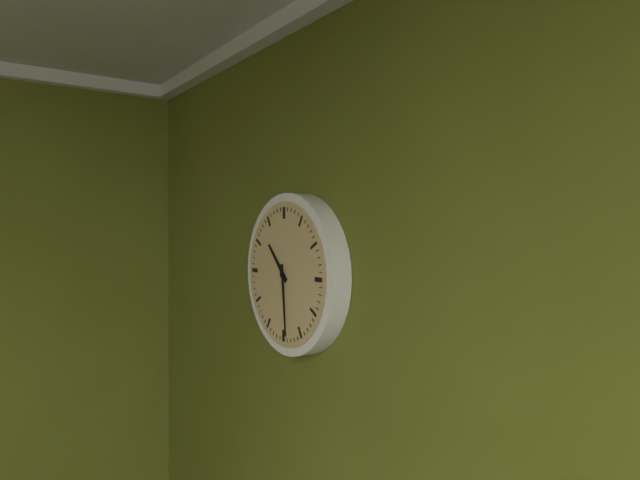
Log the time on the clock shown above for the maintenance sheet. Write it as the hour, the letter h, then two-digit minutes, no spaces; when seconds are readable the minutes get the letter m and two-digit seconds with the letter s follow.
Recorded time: 10h29
